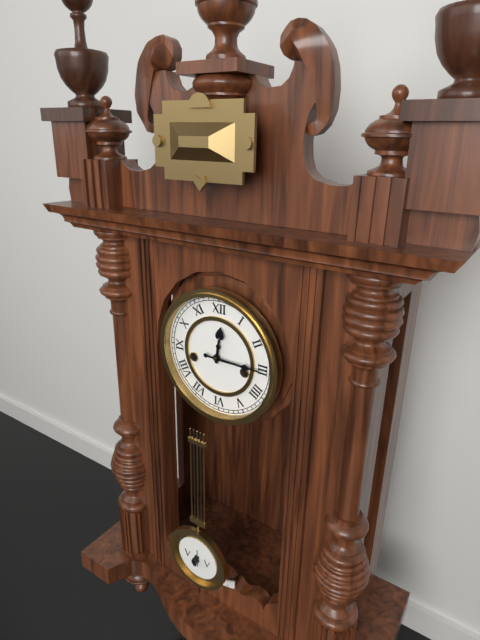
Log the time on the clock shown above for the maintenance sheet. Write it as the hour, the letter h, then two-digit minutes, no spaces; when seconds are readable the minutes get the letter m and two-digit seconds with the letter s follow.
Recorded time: 12h15
